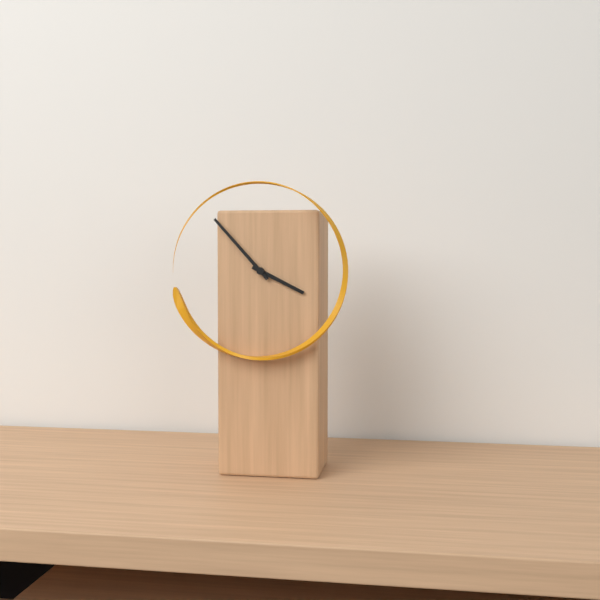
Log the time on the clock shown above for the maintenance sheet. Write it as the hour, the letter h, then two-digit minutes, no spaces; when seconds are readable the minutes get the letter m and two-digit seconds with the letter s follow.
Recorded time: 3h53
